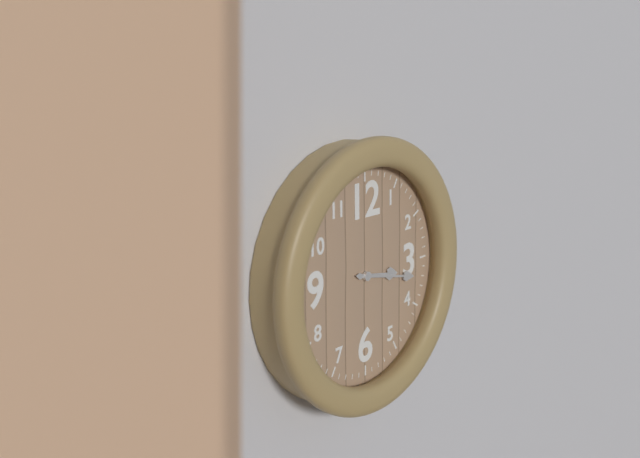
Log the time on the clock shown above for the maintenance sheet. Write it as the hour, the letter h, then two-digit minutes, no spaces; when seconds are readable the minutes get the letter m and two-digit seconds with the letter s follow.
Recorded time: 3h17
